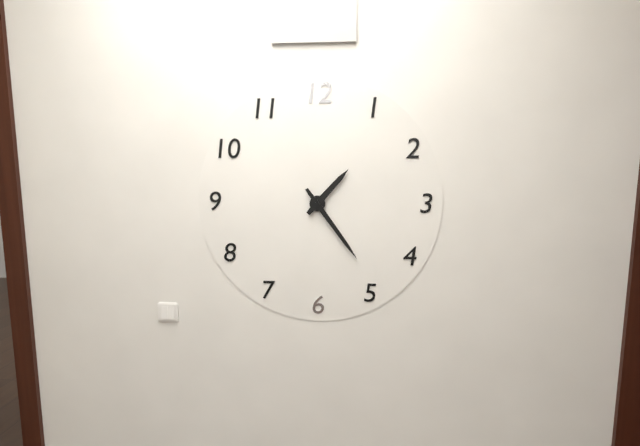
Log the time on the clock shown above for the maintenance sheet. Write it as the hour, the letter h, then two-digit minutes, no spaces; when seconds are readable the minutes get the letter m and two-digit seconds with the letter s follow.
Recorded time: 1h24
